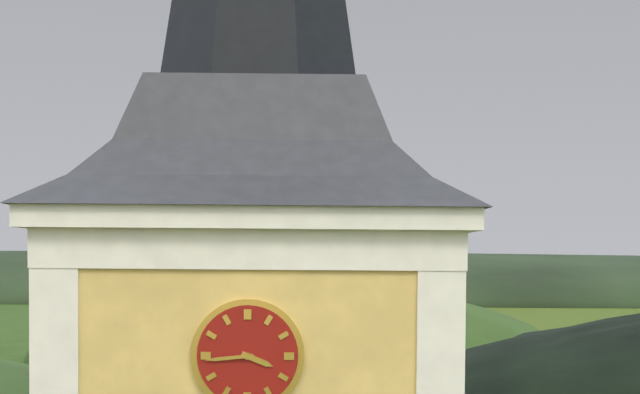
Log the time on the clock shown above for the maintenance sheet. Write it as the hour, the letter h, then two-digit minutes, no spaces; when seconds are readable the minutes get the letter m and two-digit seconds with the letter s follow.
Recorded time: 3h44
